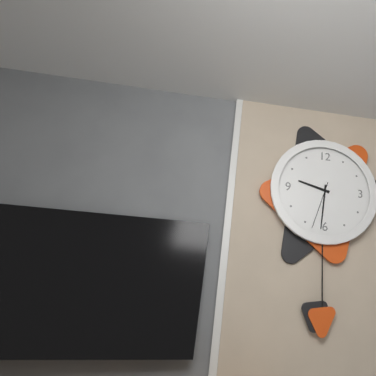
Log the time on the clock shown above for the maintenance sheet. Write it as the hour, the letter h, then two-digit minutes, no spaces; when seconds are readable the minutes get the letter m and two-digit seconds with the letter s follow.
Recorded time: 9h31m33s
